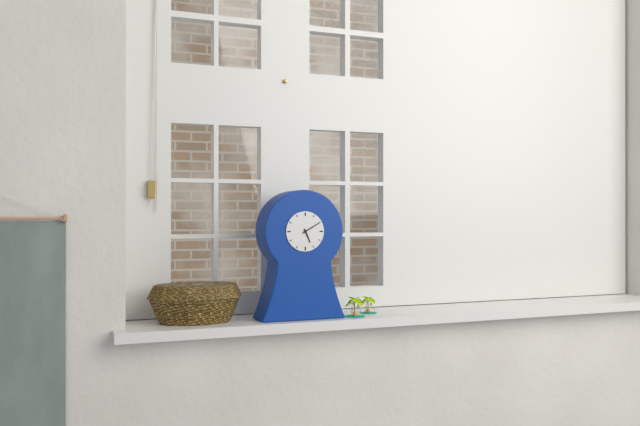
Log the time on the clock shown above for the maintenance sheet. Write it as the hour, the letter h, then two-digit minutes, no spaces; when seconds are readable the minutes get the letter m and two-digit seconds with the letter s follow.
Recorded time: 5h10
